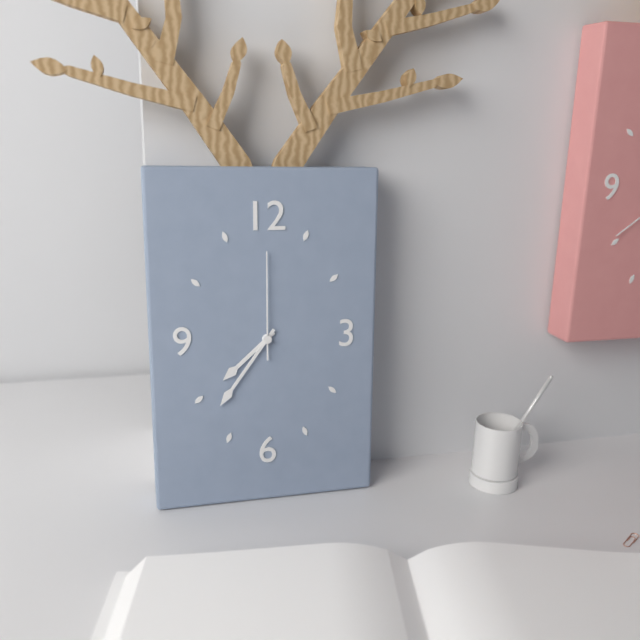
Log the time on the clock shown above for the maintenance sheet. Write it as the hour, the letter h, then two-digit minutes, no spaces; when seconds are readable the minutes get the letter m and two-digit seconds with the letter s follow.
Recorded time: 7h36m00s
